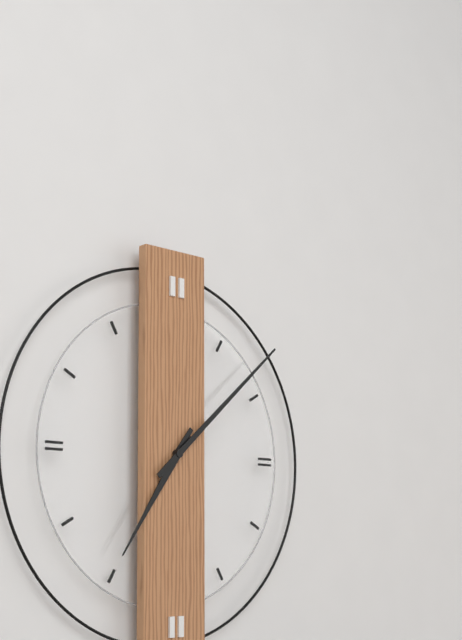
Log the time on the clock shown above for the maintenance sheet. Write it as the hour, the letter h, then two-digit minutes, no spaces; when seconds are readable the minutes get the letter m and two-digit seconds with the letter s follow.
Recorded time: 7h08
